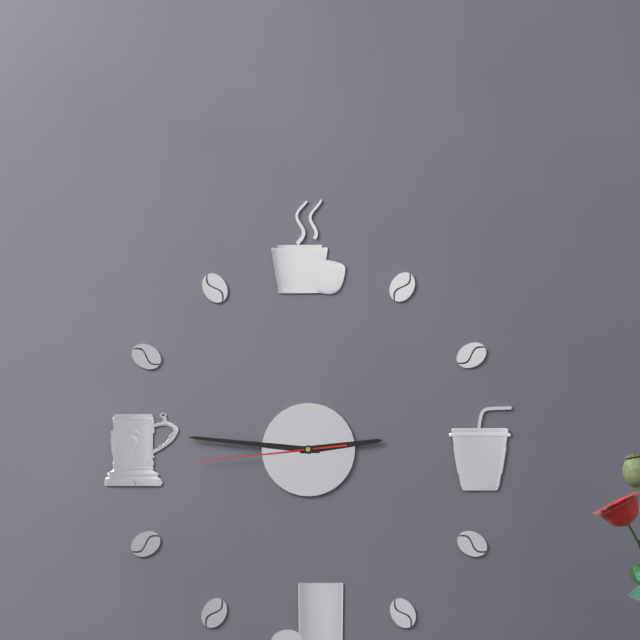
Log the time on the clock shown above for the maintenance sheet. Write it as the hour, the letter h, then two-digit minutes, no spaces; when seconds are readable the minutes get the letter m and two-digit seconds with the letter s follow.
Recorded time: 2h46m44s
